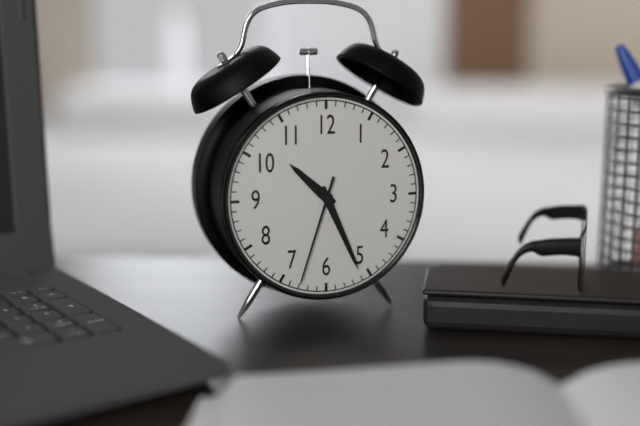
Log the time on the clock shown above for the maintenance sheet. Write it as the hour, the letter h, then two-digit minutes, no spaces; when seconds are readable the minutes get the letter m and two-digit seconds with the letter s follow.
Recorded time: 10h26m33s
